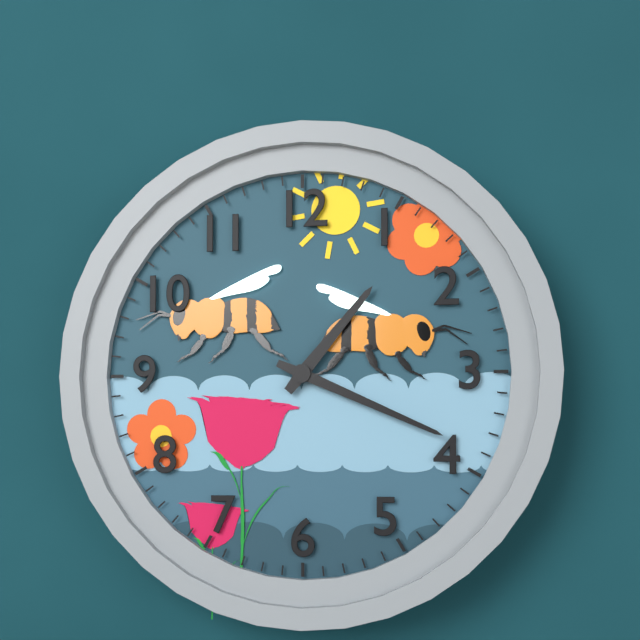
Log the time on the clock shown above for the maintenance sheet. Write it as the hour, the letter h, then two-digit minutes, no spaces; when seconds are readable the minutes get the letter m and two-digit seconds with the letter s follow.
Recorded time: 1h19
